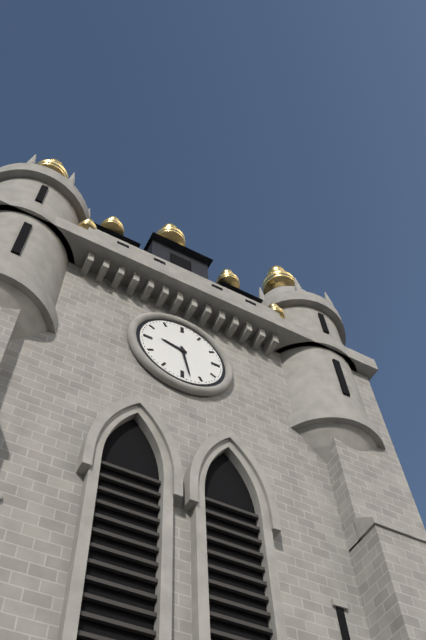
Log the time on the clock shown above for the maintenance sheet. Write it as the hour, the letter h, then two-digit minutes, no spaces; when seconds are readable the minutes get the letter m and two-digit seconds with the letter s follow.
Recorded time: 9h28
